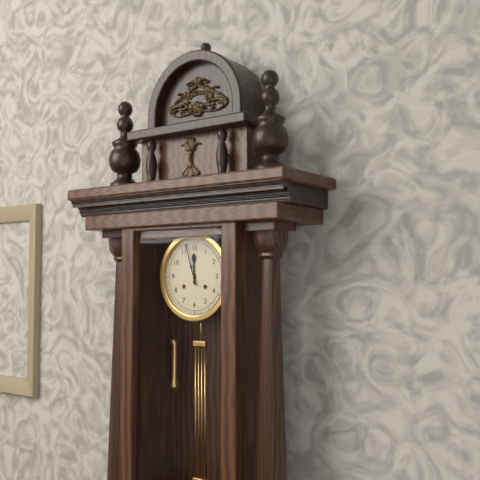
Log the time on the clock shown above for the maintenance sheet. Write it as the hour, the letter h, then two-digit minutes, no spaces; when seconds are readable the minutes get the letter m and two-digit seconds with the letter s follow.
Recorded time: 11h57
